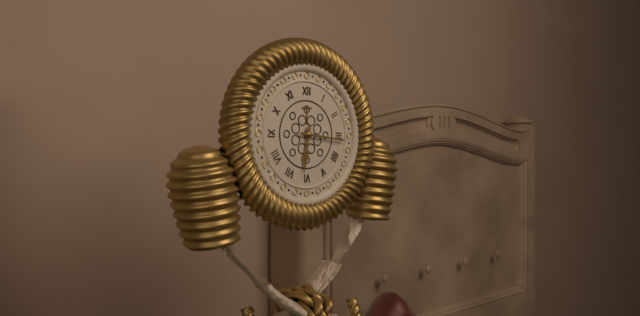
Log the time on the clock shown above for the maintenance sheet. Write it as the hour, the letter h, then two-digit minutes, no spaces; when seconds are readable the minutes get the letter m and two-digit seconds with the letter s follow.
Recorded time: 6h16
